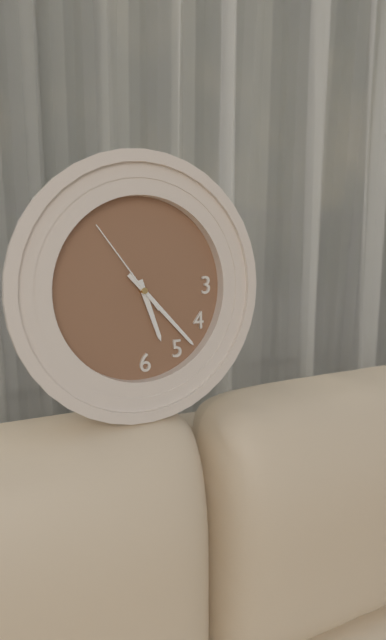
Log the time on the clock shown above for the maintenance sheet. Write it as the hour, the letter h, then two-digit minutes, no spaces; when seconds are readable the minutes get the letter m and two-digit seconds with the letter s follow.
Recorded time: 5h23m54s
